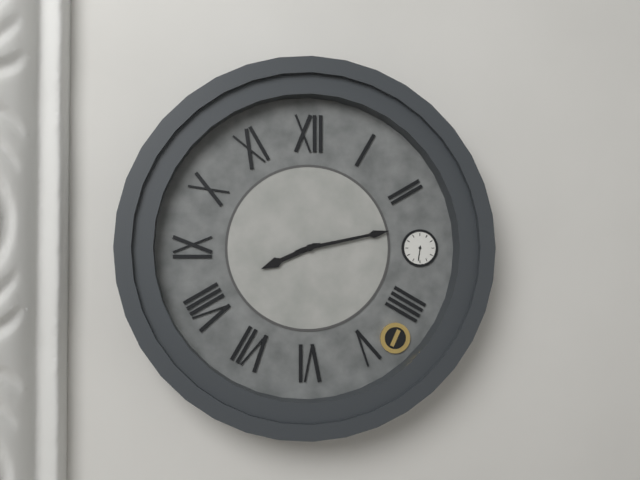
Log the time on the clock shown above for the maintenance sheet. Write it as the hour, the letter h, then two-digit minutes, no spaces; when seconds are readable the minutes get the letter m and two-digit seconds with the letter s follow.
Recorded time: 8h13
